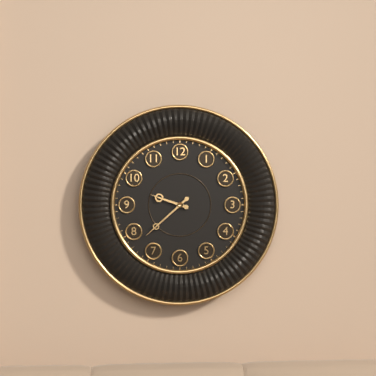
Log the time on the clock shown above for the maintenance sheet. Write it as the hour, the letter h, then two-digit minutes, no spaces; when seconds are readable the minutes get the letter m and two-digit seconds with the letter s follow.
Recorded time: 9h38
